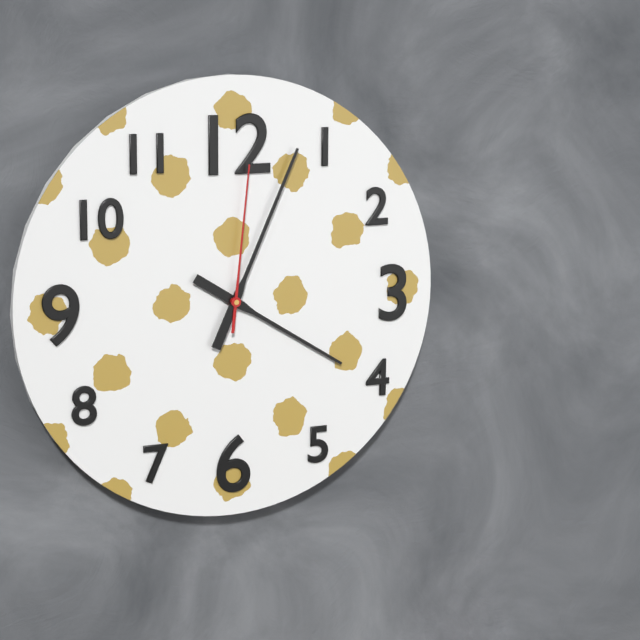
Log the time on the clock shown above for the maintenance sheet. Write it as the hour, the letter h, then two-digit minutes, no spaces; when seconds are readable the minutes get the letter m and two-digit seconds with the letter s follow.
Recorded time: 4h04m01s
